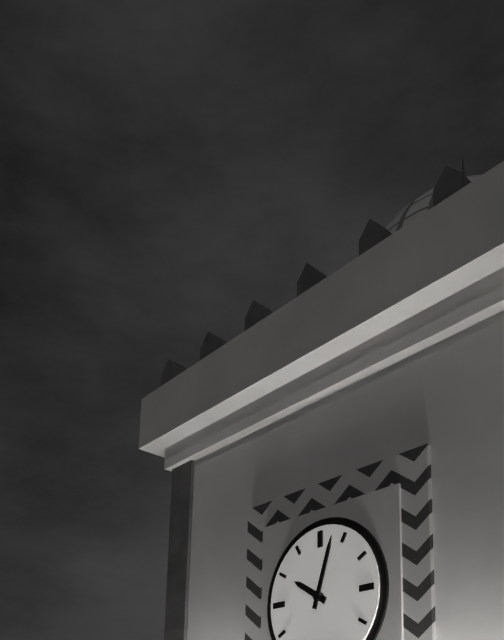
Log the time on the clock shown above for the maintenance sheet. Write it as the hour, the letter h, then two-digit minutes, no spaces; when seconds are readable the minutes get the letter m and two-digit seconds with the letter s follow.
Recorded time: 10h03
